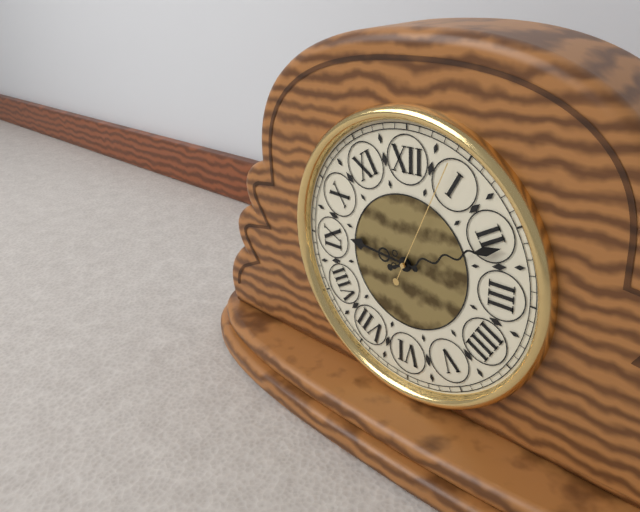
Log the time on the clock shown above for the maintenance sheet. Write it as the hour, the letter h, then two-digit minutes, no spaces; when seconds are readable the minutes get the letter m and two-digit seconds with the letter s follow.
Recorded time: 9h11m04s
